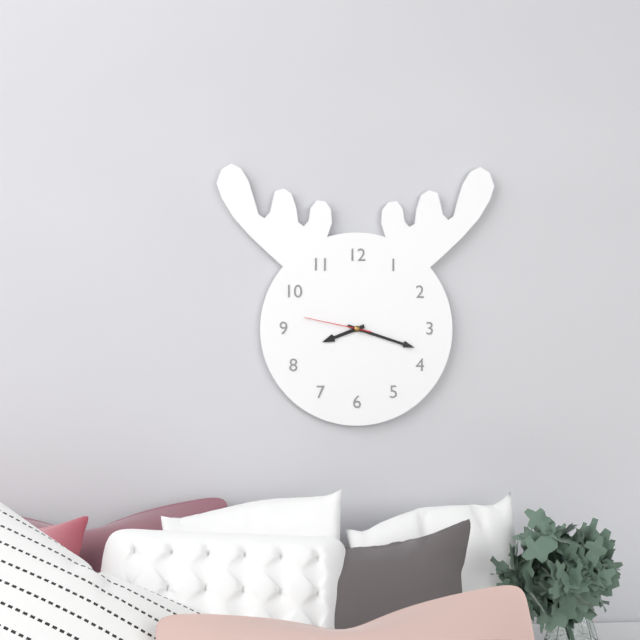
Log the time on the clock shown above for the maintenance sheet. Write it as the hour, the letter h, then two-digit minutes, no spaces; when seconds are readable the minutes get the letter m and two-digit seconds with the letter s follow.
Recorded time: 8h18m47s
